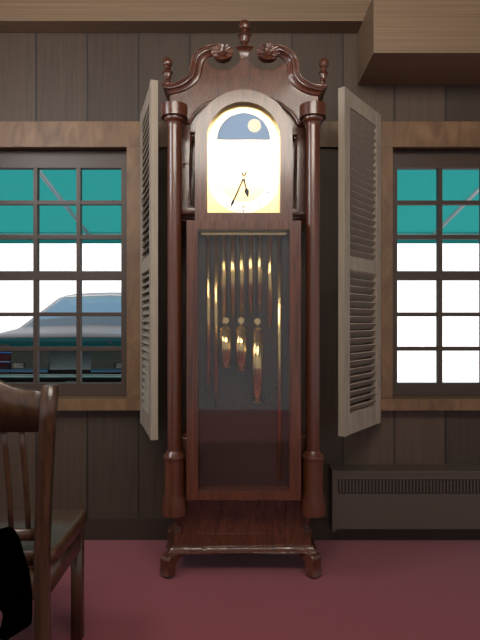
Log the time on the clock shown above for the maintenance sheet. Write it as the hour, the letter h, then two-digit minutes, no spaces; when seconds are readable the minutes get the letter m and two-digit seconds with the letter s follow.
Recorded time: 5h34
